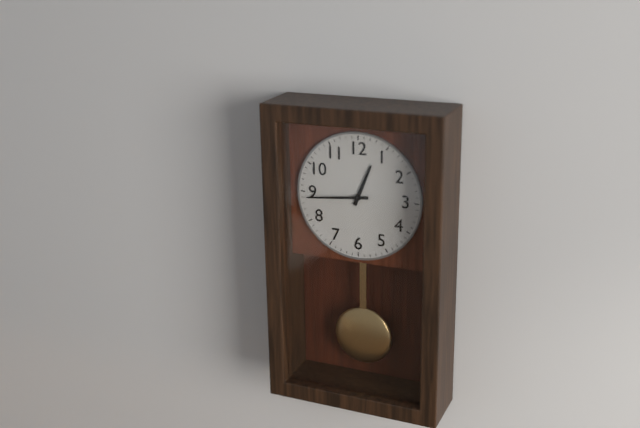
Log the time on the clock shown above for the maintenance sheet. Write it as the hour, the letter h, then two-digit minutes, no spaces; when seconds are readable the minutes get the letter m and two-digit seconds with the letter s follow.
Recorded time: 12h44
